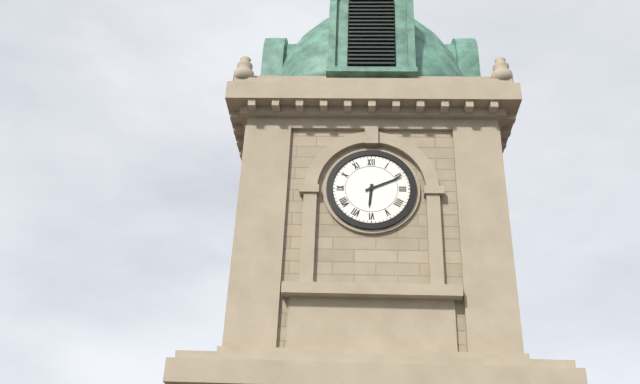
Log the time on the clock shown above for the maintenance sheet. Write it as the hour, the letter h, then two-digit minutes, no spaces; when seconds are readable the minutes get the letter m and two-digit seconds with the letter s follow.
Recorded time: 6h11
